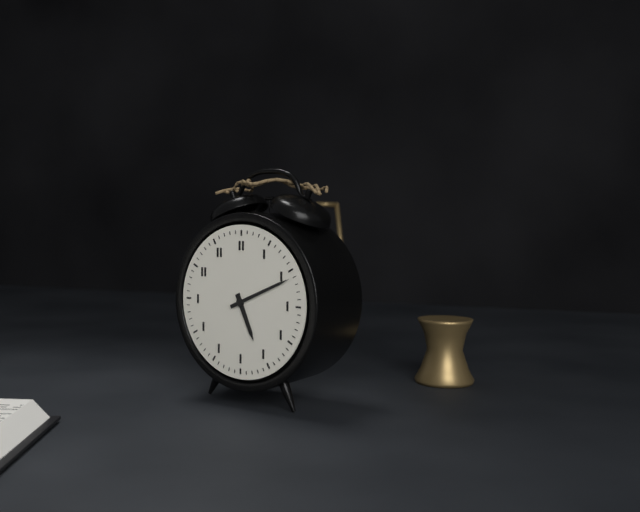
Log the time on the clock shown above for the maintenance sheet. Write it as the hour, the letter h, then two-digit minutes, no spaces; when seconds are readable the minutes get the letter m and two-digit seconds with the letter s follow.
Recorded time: 5h11
